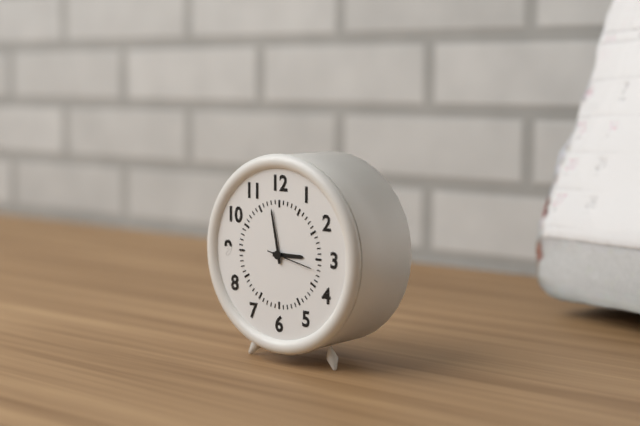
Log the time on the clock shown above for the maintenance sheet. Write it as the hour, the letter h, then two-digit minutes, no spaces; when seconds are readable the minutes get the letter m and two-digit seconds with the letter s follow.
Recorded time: 2h58
